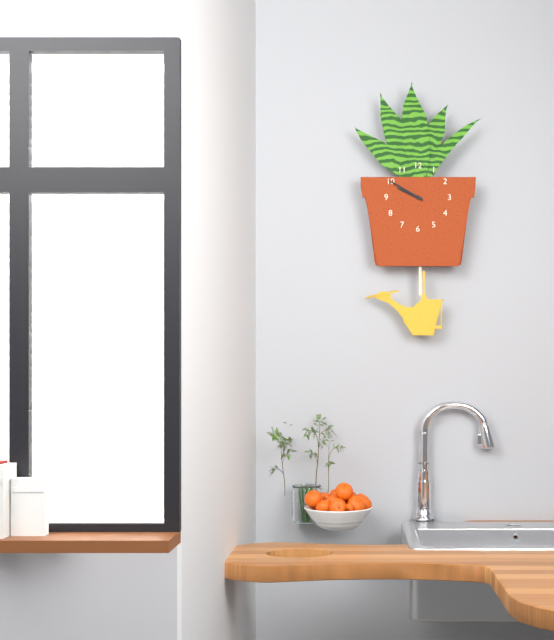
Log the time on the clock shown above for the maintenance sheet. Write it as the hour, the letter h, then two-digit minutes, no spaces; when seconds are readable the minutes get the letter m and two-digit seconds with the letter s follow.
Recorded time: 9h50
